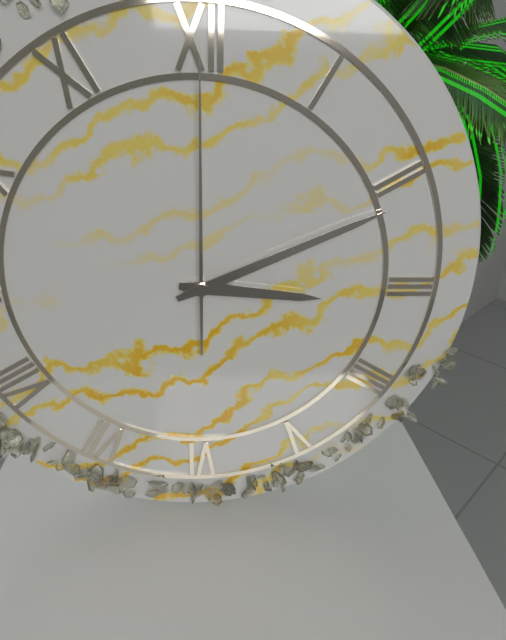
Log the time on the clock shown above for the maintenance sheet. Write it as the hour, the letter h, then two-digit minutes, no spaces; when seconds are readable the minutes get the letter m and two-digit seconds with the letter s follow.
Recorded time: 3h11m00s
